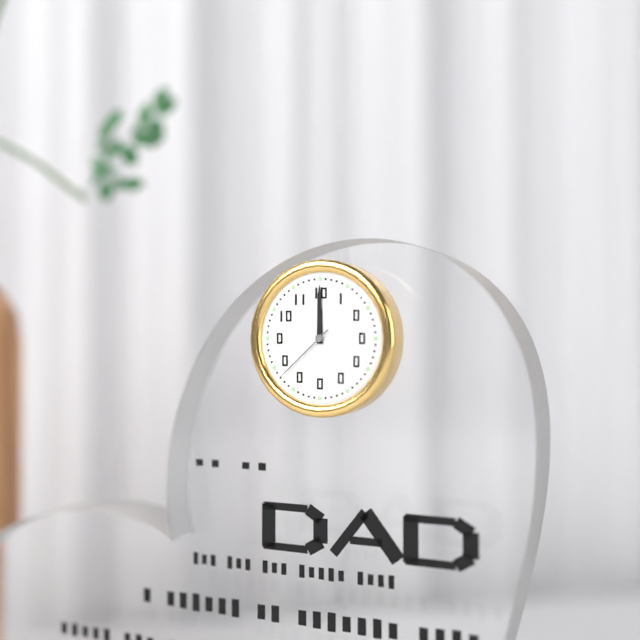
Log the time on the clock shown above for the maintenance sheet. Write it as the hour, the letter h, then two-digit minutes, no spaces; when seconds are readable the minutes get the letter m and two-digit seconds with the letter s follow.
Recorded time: 12h00m38s
